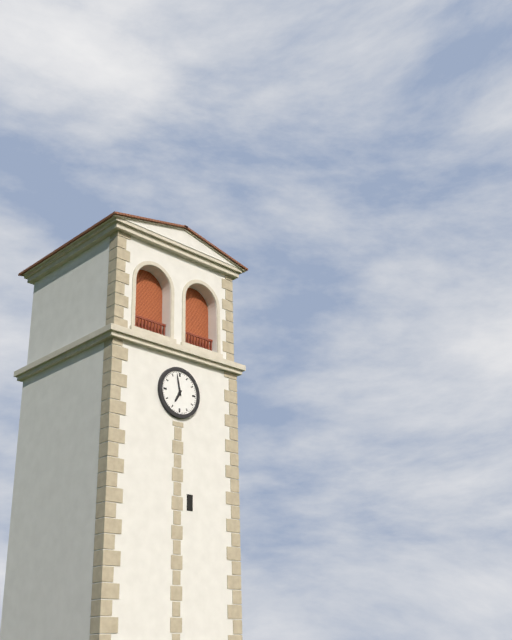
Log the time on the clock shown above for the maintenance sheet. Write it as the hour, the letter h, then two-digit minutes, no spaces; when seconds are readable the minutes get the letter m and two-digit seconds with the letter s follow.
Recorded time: 6h58
